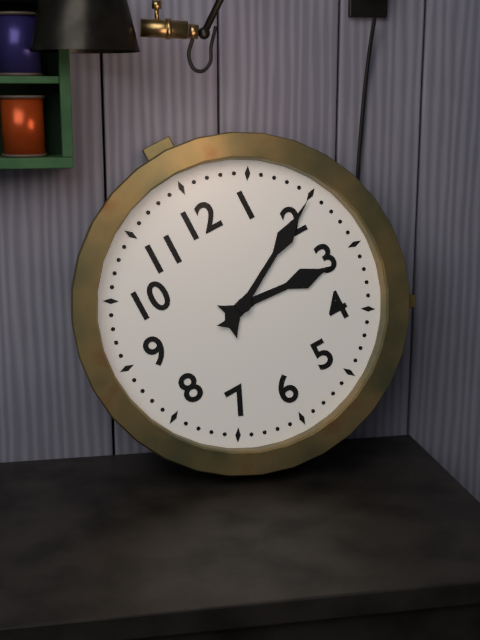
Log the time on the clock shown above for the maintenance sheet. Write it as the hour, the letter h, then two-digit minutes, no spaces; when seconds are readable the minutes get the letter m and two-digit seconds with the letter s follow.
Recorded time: 3h10
